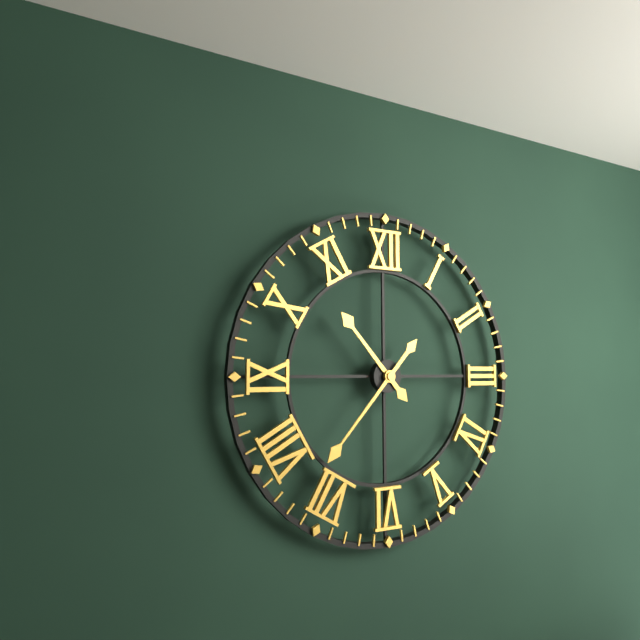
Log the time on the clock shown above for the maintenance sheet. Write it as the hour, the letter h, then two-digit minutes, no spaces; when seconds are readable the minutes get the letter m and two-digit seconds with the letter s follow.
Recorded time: 10h37
